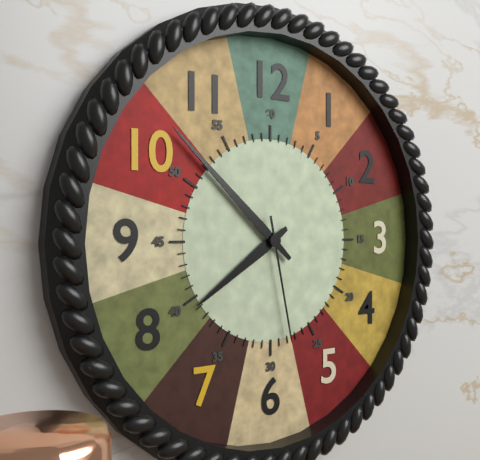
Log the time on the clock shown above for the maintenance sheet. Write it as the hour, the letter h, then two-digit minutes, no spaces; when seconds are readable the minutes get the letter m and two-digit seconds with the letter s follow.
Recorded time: 7h52m28s
